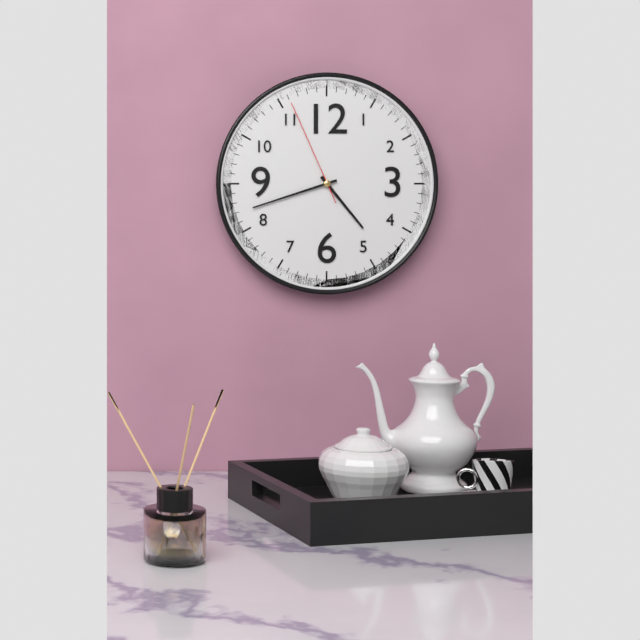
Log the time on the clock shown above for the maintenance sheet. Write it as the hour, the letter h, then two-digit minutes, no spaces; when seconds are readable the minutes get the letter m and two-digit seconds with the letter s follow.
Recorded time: 4h42m56s
